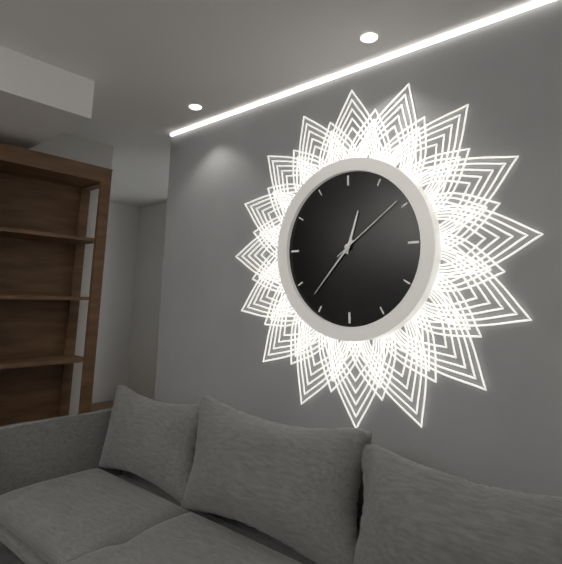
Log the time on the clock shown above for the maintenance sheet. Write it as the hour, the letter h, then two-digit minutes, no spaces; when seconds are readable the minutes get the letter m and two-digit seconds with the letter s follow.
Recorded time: 12h37m09s
